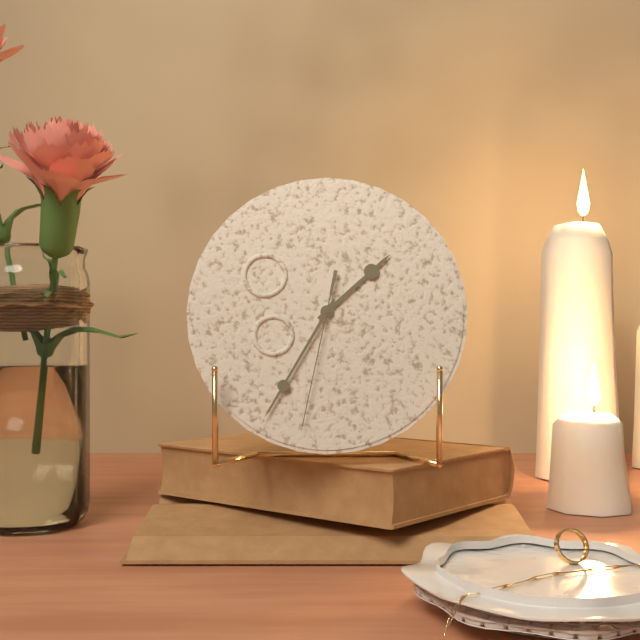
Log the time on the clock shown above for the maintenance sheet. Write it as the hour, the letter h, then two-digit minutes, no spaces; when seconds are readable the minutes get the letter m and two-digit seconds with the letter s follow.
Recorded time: 1h35m32s
